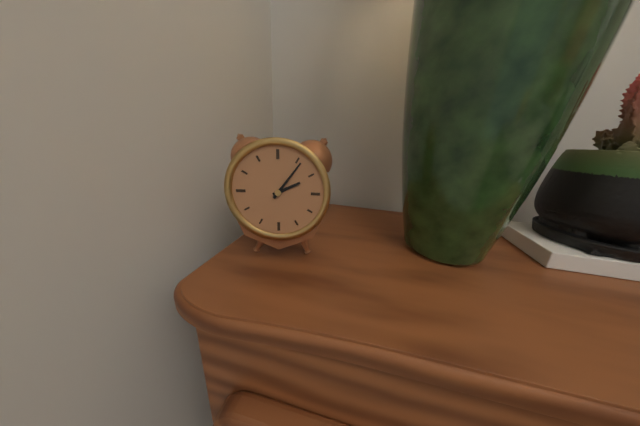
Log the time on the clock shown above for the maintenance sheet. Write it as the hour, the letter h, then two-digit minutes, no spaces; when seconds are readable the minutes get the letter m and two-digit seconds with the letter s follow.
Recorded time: 2h06
